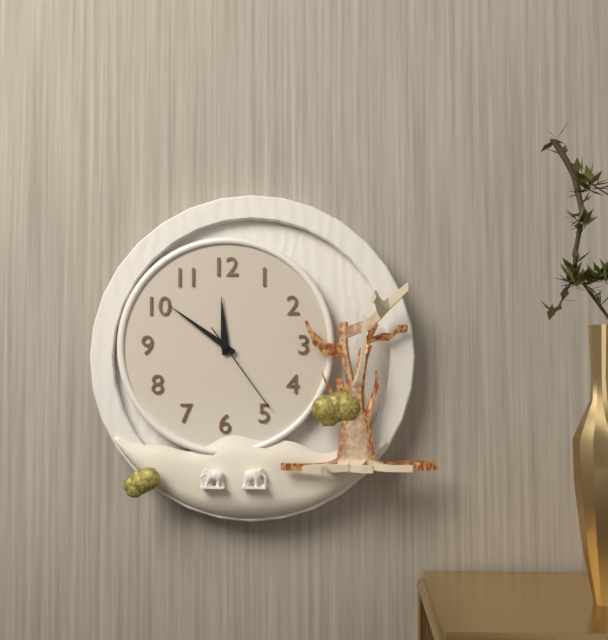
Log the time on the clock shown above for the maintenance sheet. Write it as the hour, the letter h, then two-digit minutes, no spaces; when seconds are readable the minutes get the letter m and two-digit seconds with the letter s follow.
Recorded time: 11h51m24s
